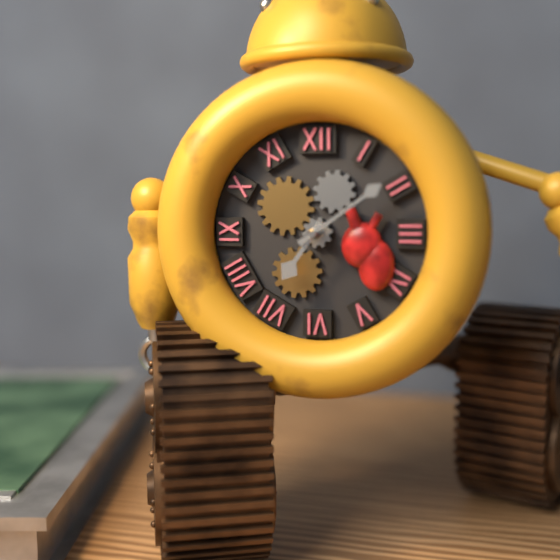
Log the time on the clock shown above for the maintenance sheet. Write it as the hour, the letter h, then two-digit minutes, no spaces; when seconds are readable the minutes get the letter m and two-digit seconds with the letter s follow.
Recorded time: 7h09
